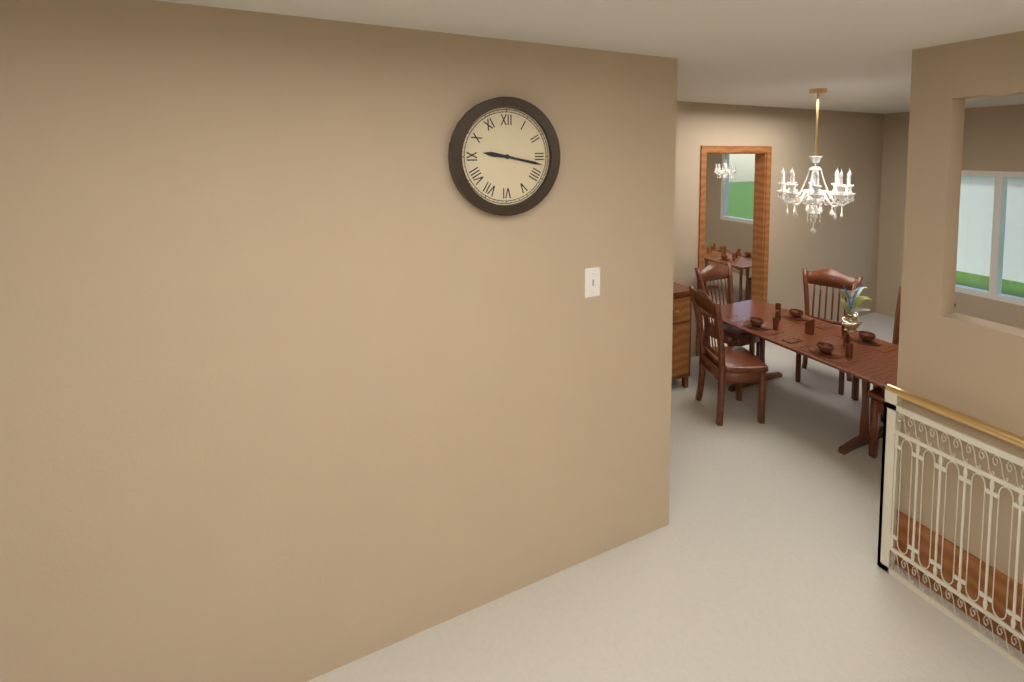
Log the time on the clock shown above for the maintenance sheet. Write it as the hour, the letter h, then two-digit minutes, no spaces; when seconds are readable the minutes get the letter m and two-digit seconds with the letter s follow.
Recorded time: 9h17
